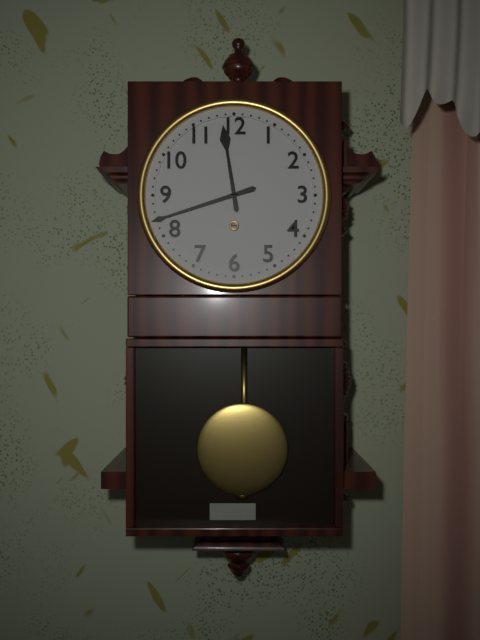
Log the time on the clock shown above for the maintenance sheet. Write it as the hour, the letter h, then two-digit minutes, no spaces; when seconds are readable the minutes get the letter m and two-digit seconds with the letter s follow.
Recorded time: 11h42
